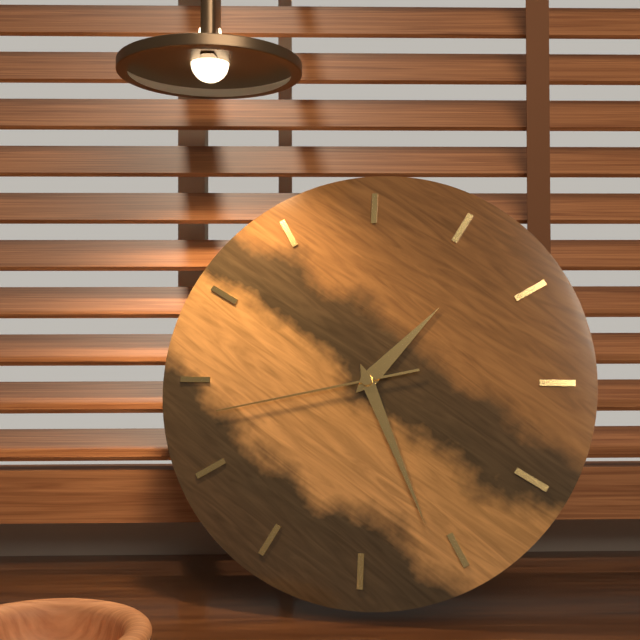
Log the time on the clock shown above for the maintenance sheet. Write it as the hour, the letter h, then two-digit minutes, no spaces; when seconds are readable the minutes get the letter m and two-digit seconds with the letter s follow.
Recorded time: 1h26m43s
